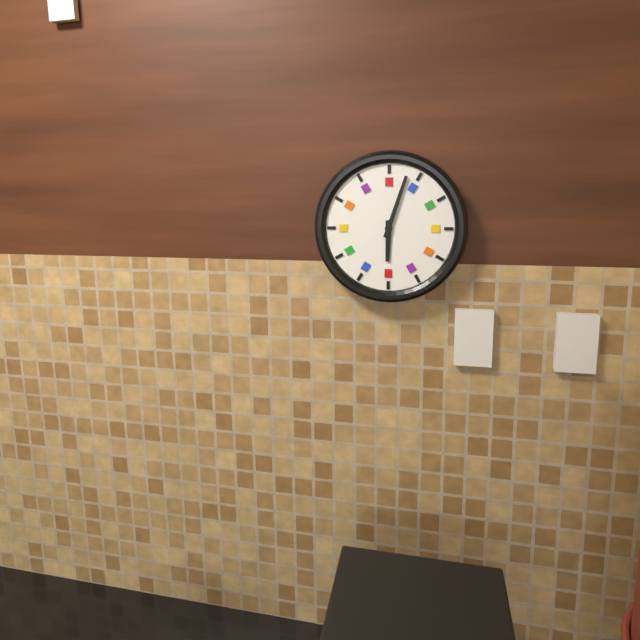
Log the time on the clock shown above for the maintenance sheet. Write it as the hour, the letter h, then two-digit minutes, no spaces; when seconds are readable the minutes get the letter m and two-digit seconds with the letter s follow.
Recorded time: 6h03
